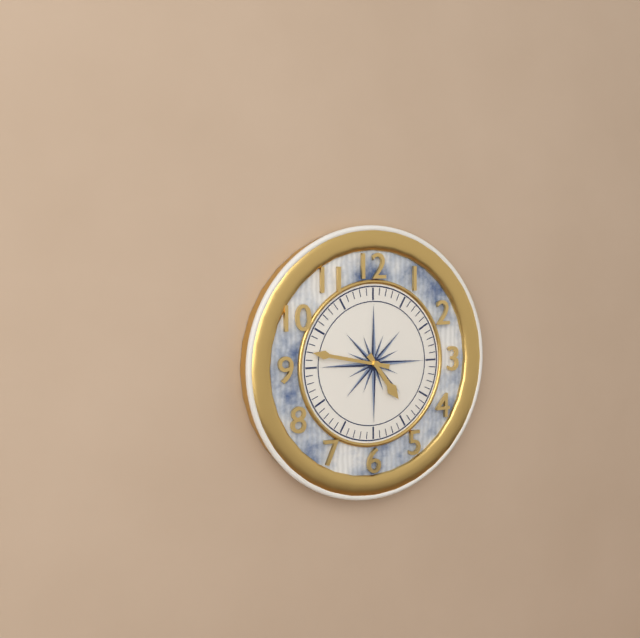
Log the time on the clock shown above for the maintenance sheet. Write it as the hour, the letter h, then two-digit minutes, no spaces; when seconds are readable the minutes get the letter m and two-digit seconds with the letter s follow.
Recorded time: 4h47
